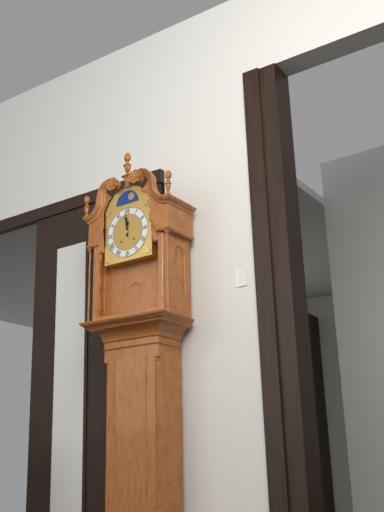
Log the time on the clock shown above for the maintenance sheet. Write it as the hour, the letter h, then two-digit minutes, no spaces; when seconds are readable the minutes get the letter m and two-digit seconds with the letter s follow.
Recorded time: 11h59
